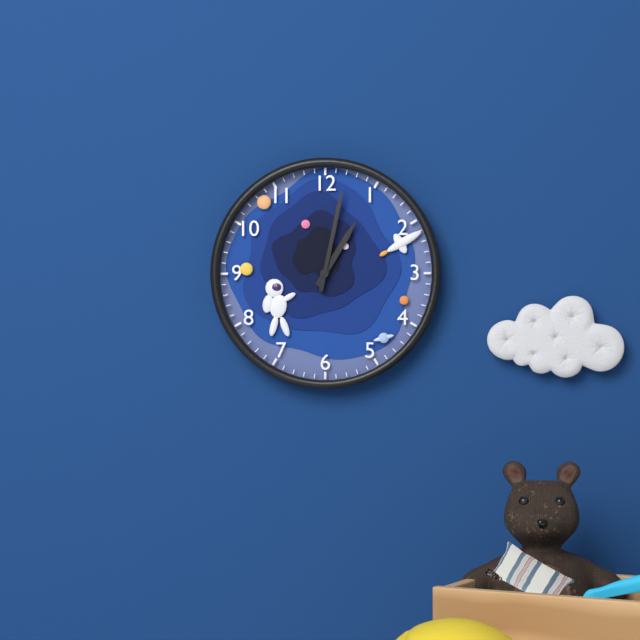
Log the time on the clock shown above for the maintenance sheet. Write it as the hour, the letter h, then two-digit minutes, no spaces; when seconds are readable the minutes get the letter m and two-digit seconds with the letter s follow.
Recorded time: 1h02
